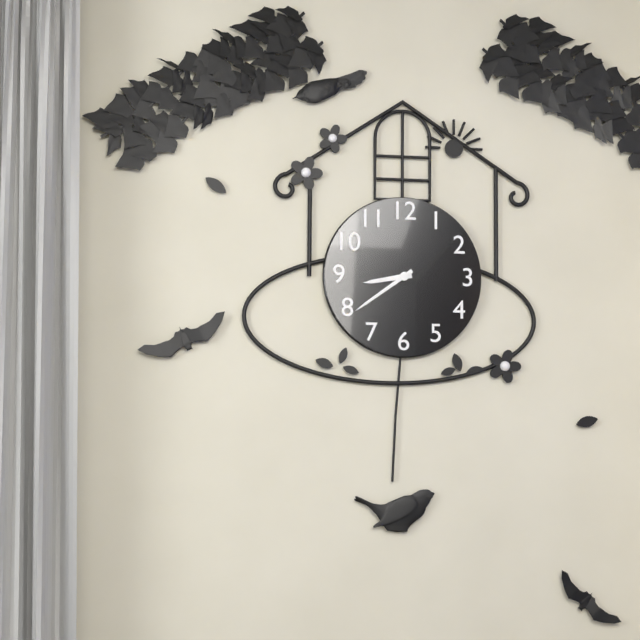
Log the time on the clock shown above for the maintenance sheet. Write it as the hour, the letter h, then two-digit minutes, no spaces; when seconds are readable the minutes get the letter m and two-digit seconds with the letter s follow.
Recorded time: 8h39
